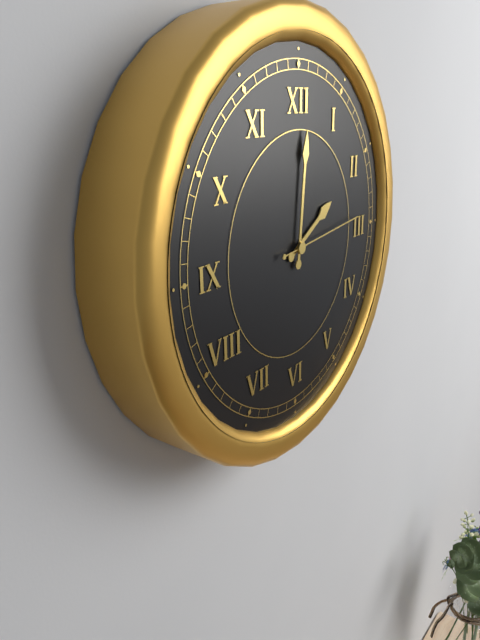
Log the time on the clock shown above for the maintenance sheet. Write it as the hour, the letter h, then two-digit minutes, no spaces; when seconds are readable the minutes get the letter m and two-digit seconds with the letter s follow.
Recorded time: 2h01m14s
